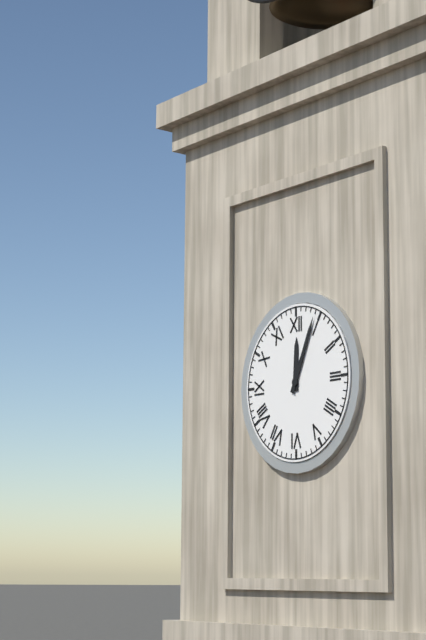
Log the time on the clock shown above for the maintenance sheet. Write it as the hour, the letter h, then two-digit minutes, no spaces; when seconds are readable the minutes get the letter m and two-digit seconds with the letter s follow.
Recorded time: 12h04
